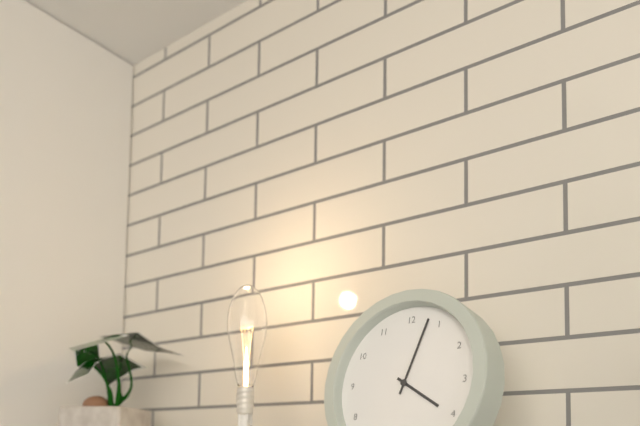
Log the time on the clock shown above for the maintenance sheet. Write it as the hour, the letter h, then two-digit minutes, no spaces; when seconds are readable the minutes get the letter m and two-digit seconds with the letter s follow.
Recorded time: 4h03
